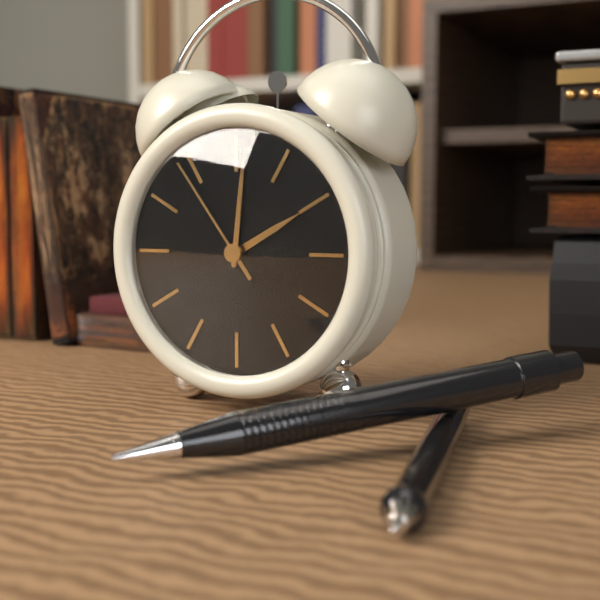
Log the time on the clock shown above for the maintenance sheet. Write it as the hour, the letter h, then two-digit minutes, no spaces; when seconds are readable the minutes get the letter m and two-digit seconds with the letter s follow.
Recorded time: 2h01m54s
